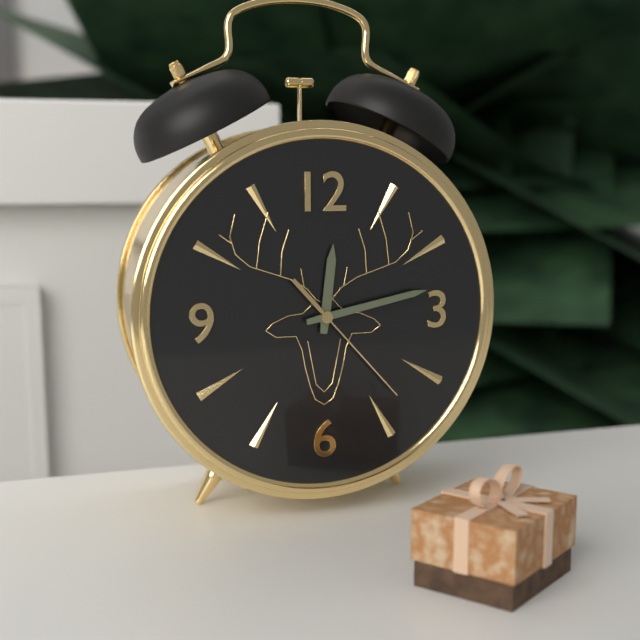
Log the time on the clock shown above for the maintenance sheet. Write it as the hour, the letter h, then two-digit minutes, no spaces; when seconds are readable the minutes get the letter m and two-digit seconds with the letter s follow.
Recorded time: 12h13m23s
